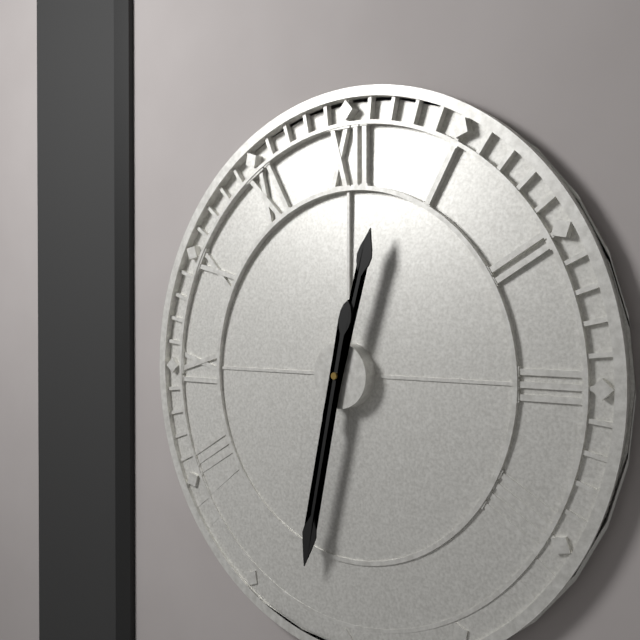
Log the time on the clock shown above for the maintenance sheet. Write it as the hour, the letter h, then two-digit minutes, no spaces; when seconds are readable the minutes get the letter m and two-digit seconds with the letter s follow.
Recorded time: 12h32
